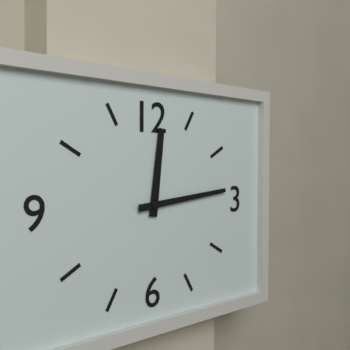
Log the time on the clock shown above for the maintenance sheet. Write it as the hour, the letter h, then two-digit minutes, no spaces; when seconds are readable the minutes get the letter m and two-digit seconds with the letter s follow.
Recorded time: 12h14
